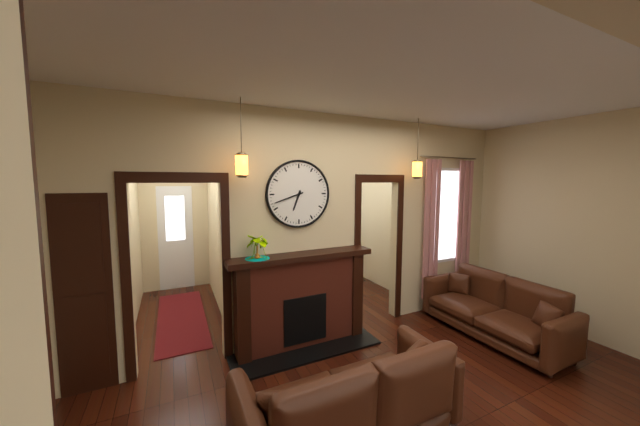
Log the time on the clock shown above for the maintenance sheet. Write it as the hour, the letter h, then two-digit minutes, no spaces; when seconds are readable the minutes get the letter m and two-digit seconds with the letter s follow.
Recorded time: 6h42
